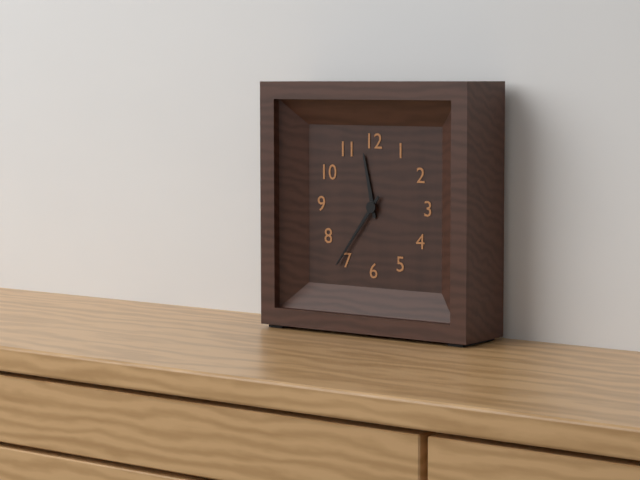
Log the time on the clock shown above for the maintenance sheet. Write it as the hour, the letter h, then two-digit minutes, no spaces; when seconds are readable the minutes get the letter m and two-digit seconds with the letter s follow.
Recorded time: 11h36
